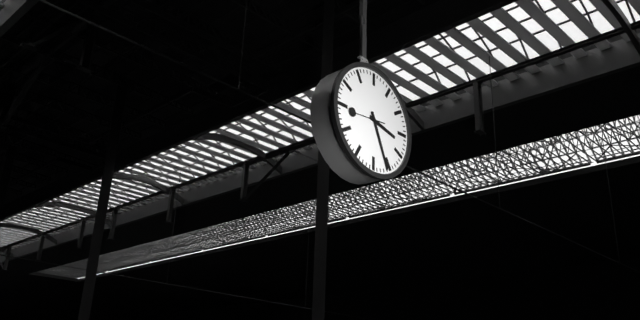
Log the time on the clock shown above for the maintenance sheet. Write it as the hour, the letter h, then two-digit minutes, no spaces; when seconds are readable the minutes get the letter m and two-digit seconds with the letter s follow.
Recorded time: 3h26
